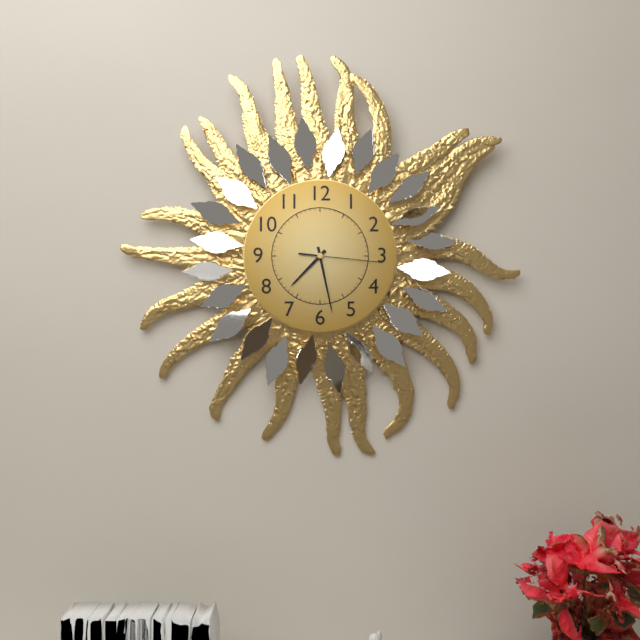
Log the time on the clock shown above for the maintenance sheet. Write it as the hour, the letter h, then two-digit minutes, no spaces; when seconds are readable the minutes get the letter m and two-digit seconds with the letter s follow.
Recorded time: 7h28m16s
